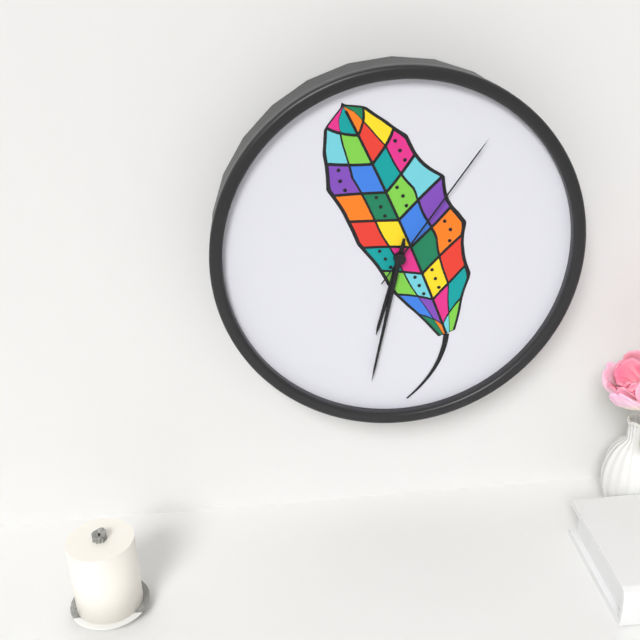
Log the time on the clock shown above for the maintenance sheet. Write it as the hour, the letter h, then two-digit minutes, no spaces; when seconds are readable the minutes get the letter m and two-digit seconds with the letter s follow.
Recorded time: 6h32m06s
